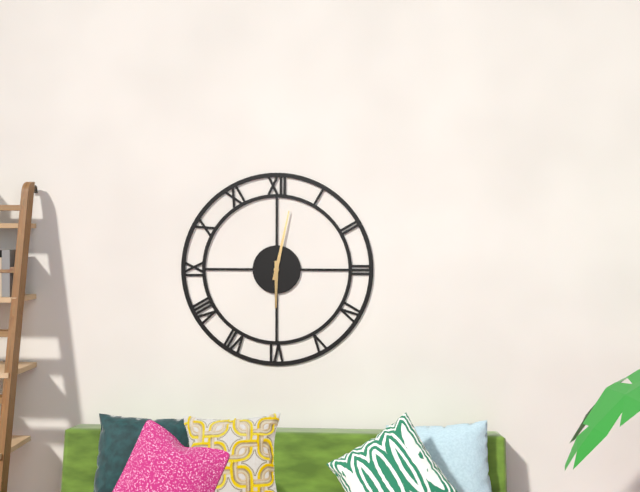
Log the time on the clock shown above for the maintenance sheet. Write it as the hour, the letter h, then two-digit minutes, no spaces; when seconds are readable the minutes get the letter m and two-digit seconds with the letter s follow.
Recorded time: 6h02
